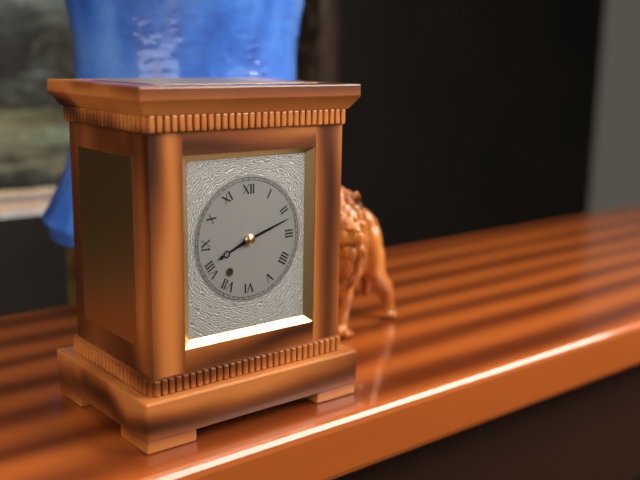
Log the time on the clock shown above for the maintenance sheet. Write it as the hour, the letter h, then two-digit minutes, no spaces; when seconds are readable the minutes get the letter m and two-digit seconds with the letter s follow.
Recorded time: 8h12
